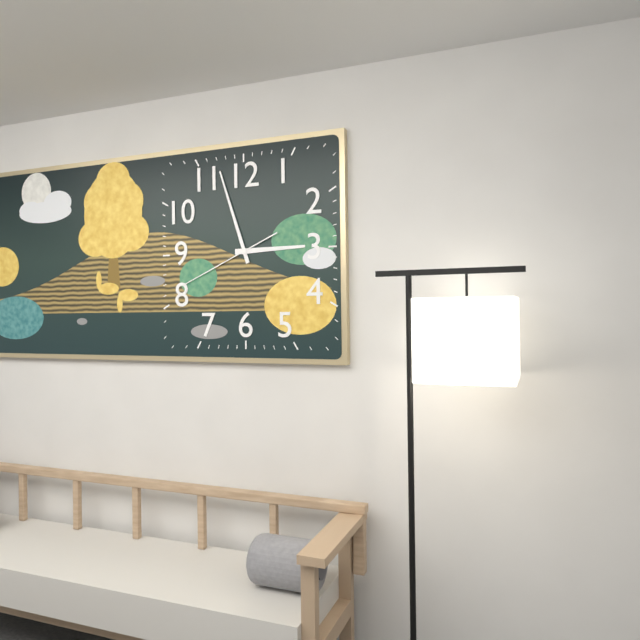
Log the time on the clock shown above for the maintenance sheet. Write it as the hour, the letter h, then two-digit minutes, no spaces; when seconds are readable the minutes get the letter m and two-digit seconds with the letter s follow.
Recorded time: 2h57m41s
